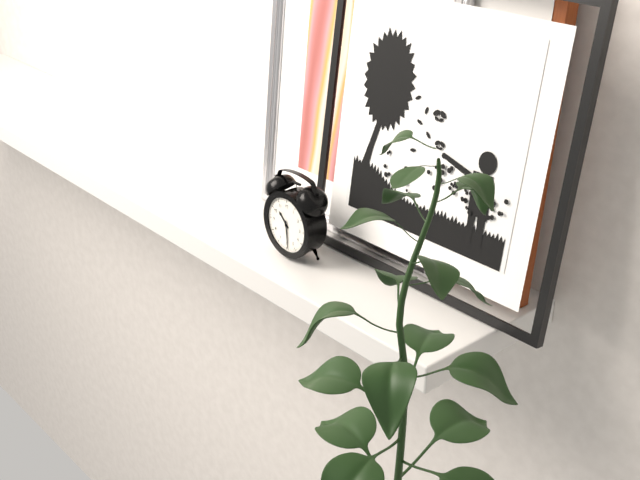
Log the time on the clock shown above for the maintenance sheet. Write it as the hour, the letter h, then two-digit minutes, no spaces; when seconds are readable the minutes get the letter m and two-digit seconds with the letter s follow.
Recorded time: 10h29
